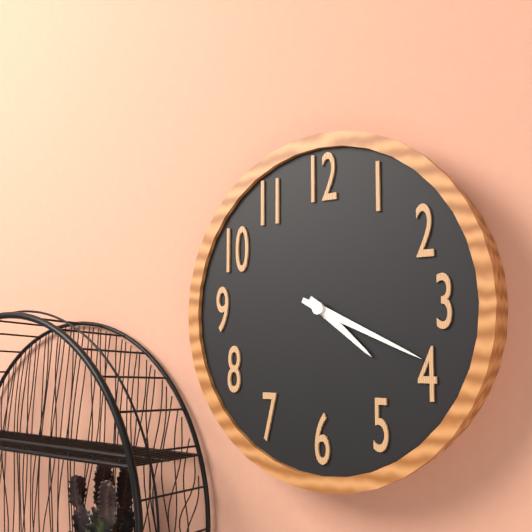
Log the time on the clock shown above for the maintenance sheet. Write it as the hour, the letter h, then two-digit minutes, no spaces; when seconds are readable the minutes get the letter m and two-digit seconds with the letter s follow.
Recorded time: 4h19
